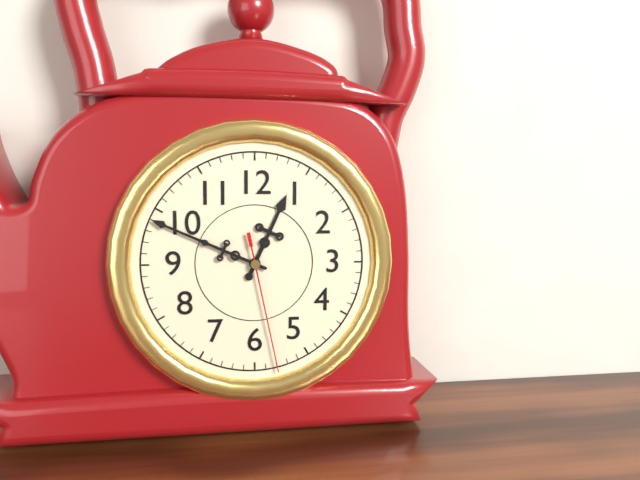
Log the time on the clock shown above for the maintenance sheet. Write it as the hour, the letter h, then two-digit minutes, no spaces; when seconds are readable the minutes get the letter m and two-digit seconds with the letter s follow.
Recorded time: 12h49m28s
